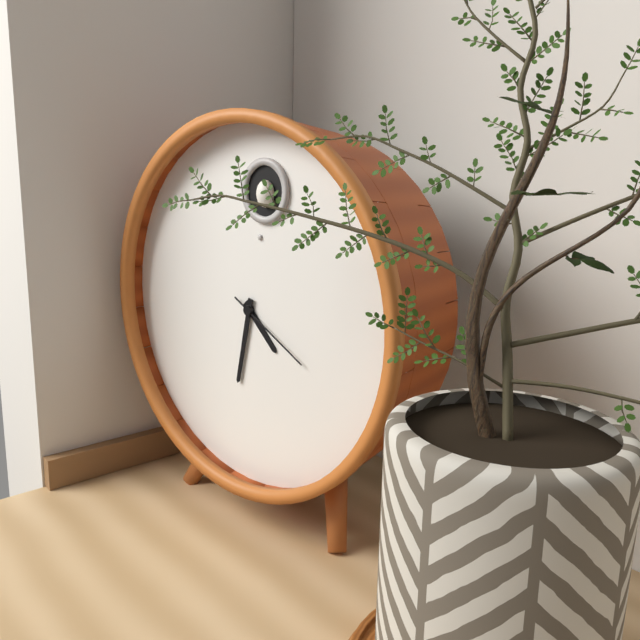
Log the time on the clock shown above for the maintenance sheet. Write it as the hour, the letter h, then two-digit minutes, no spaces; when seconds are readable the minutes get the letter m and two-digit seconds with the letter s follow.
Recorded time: 4h32m20s
